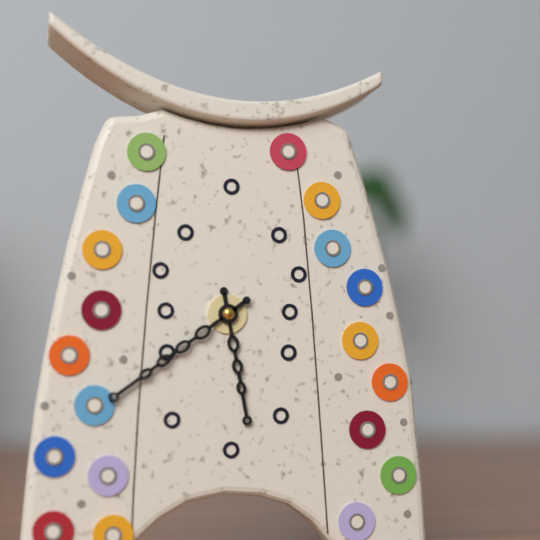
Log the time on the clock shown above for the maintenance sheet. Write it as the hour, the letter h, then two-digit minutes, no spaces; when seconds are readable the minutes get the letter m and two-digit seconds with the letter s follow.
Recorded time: 5h39
